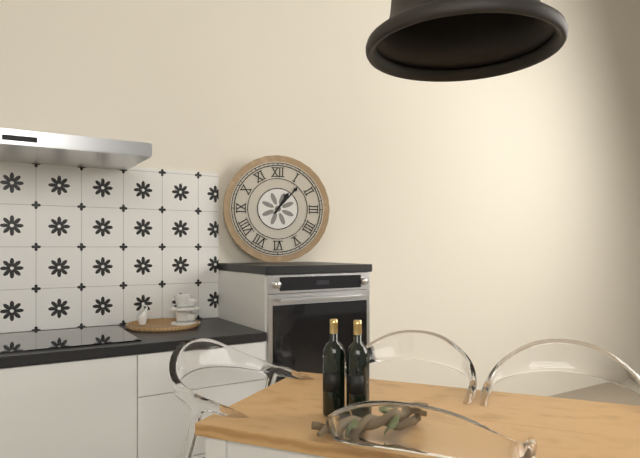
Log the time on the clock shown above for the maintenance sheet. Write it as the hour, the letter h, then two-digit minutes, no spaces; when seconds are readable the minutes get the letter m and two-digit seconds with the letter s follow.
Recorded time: 1h07
